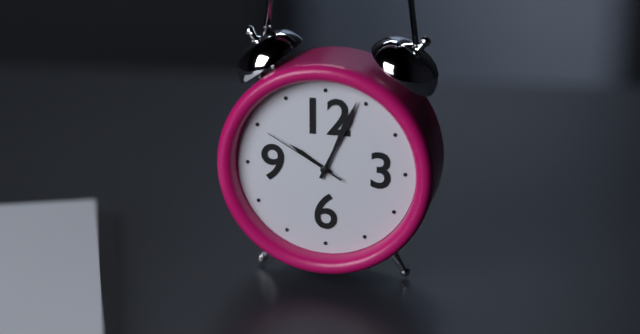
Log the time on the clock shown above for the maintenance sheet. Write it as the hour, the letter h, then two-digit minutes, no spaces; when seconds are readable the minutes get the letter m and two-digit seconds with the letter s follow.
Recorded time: 10h04m50s
